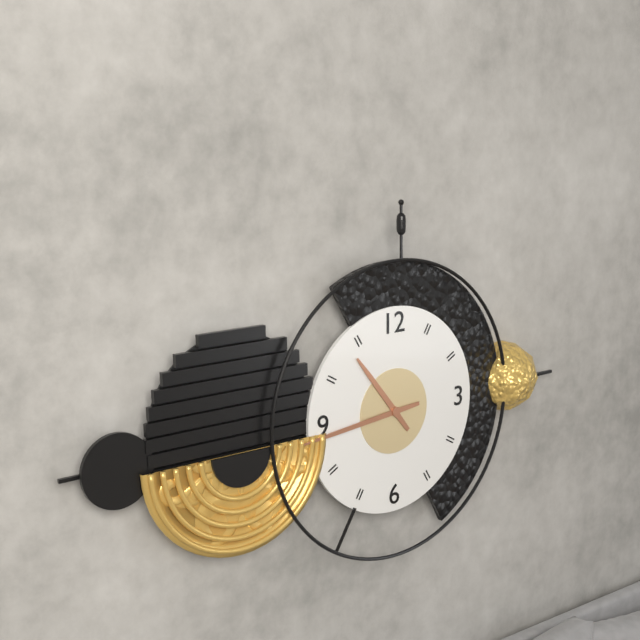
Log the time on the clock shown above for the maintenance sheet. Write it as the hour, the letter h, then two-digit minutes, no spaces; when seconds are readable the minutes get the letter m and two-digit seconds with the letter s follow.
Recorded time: 10h44
